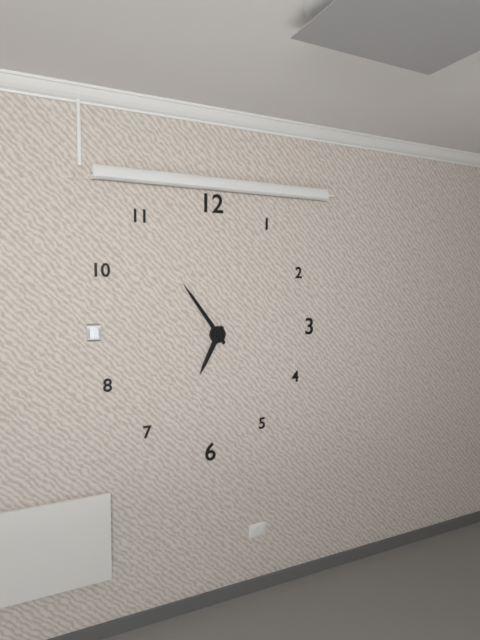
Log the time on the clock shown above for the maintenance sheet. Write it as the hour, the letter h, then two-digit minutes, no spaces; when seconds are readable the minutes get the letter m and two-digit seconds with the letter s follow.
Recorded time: 6h54
